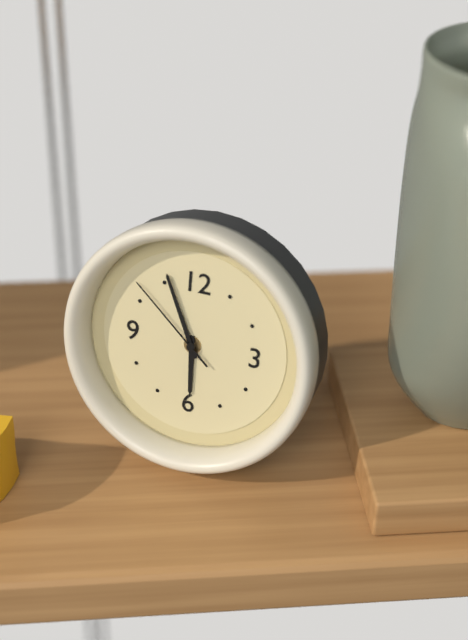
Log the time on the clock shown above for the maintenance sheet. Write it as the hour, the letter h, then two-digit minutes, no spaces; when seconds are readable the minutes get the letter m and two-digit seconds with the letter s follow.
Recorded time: 5h56m52s
